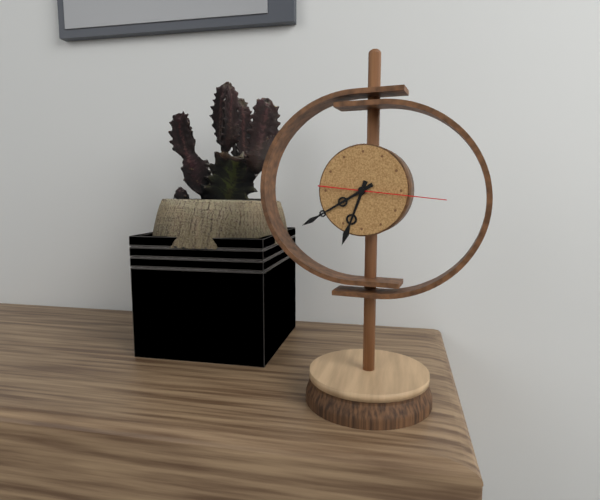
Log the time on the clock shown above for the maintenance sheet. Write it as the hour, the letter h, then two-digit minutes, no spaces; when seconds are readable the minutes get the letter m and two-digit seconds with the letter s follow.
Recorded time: 6h40m16s
